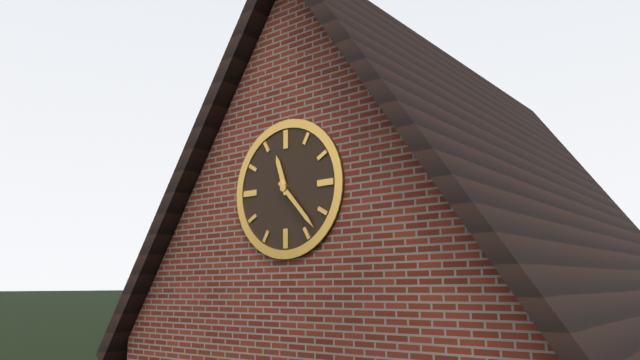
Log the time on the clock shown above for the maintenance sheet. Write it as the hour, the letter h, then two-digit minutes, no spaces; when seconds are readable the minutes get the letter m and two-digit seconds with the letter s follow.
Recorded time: 11h23
